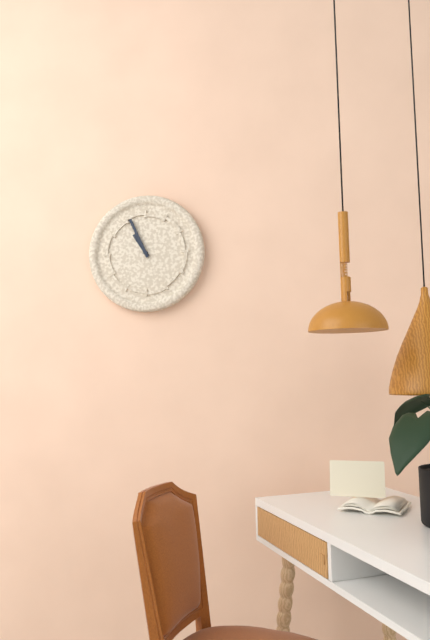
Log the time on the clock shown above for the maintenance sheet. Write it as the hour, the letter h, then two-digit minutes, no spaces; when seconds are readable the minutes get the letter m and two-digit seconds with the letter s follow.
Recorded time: 10h56
